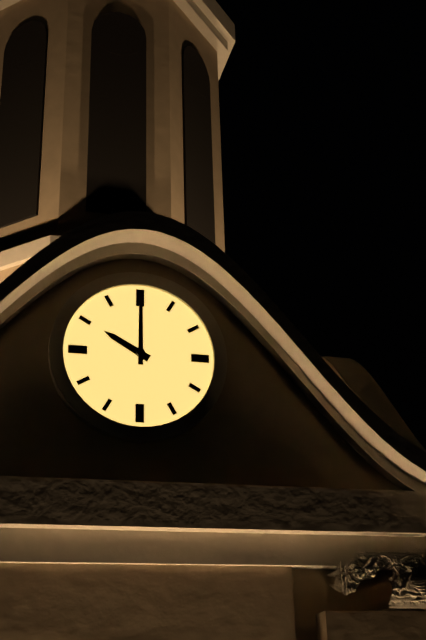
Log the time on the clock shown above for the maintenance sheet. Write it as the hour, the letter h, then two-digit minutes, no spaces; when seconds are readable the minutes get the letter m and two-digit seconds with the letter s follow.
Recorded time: 10h00
